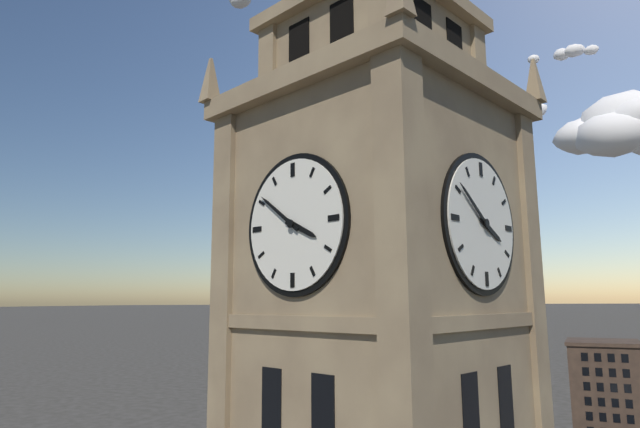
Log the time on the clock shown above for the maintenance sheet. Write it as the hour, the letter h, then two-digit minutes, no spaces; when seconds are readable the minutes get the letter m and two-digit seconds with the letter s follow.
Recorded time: 3h51
